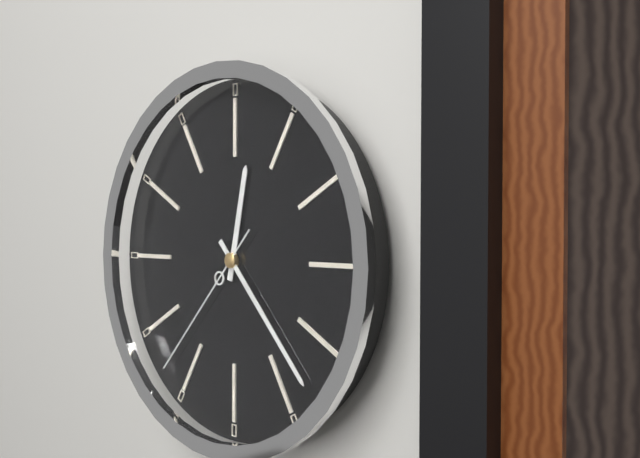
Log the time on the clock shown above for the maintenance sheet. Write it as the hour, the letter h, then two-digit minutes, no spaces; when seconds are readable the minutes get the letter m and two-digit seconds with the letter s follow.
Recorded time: 12h23m37s
